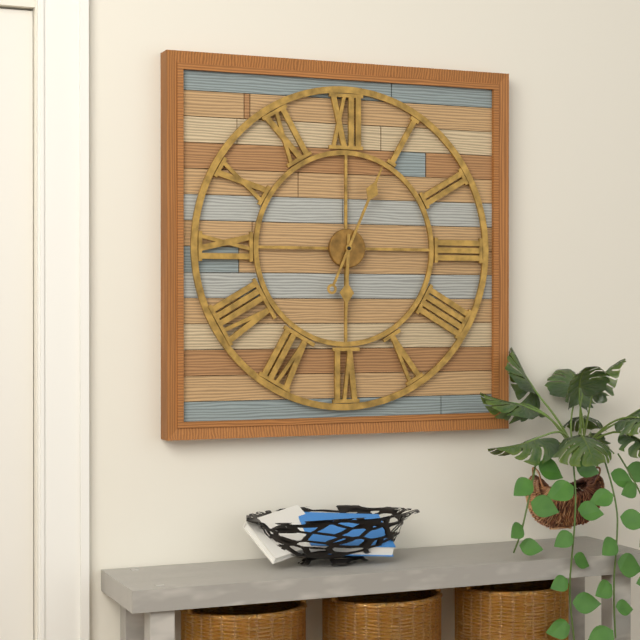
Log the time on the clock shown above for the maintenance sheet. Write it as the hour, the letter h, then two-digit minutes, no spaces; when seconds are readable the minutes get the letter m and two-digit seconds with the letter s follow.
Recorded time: 6h04
